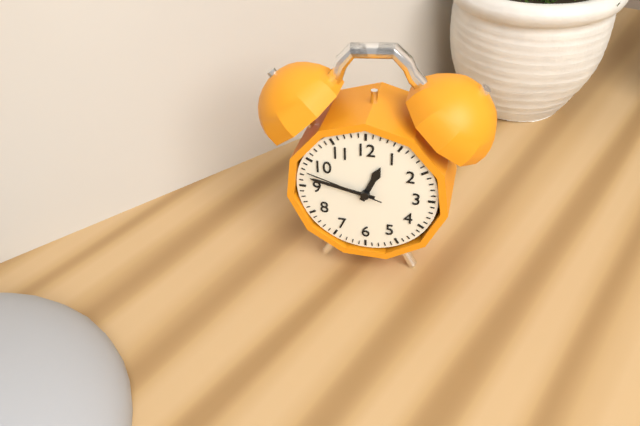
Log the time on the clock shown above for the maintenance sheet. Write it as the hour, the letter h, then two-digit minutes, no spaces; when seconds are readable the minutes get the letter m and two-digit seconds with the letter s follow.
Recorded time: 12h47m48s
